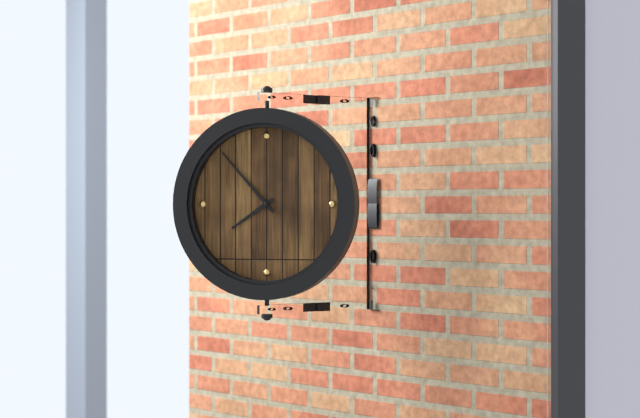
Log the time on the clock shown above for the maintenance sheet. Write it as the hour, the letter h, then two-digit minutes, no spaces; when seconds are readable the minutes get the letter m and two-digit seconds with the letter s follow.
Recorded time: 7h53
